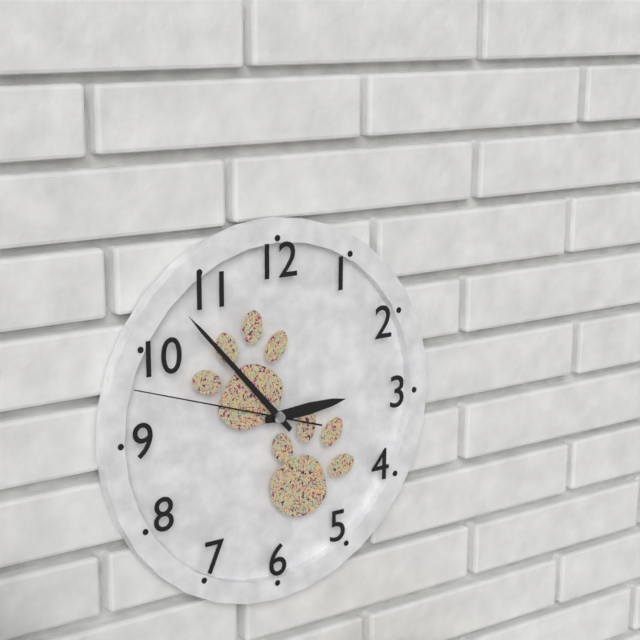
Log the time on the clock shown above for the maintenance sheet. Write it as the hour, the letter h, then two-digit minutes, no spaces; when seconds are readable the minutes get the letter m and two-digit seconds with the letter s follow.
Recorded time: 2h53m48s
